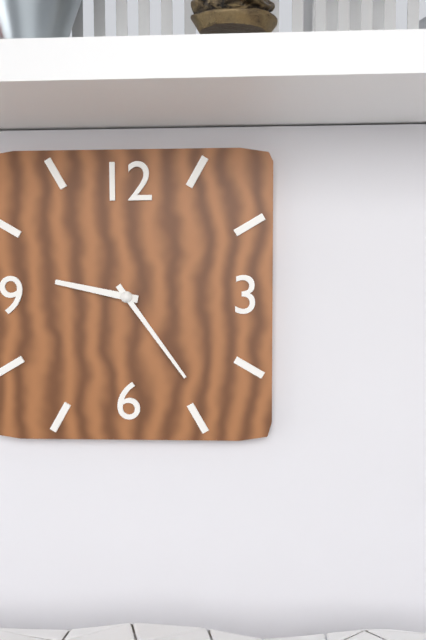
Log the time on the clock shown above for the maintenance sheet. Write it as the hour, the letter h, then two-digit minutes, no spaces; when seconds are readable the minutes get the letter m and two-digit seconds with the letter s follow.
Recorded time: 9h24
